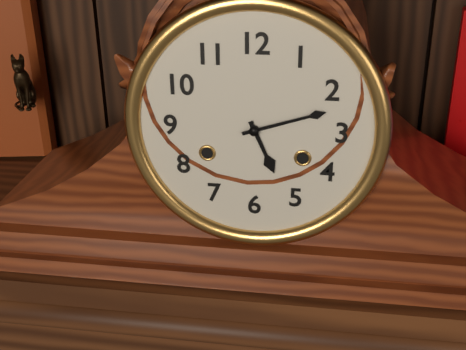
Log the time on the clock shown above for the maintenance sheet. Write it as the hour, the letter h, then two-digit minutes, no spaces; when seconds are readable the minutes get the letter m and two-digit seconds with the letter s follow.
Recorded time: 5h12
